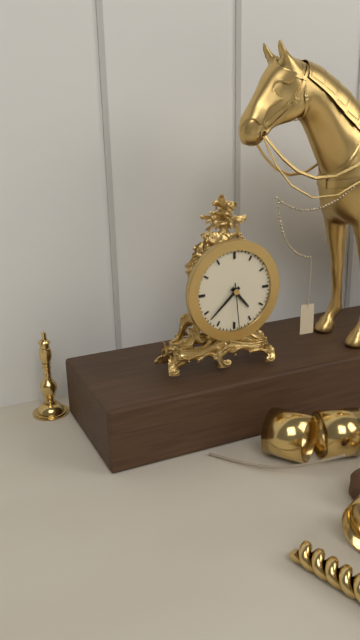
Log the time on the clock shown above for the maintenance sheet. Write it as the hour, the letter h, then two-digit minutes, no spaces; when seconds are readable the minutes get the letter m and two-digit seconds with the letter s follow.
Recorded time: 4h38
